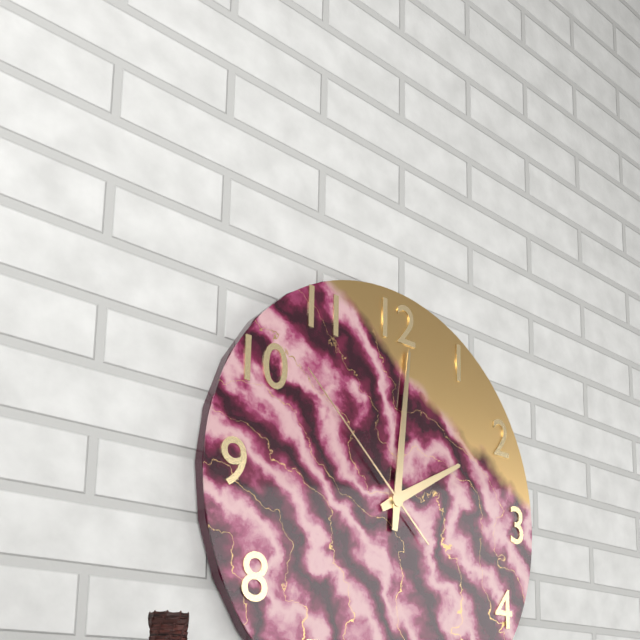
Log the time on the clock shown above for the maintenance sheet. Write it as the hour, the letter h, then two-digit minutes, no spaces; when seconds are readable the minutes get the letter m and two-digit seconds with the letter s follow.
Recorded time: 2h01m52s
